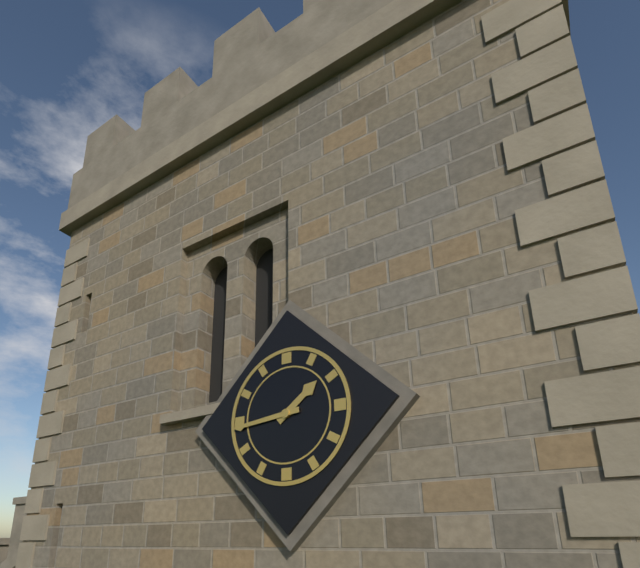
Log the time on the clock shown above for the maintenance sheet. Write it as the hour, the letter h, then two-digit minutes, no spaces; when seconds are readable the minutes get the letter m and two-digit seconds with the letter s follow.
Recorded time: 1h44
